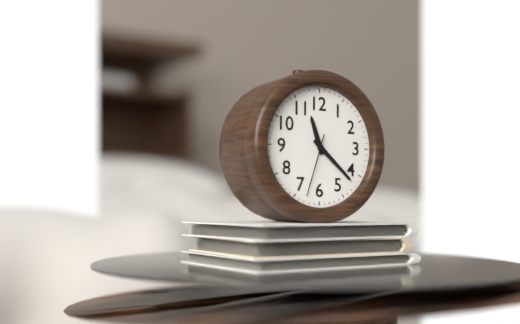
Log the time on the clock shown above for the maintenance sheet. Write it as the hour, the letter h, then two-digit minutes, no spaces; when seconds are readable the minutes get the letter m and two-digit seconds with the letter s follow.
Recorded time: 11h22m33s
